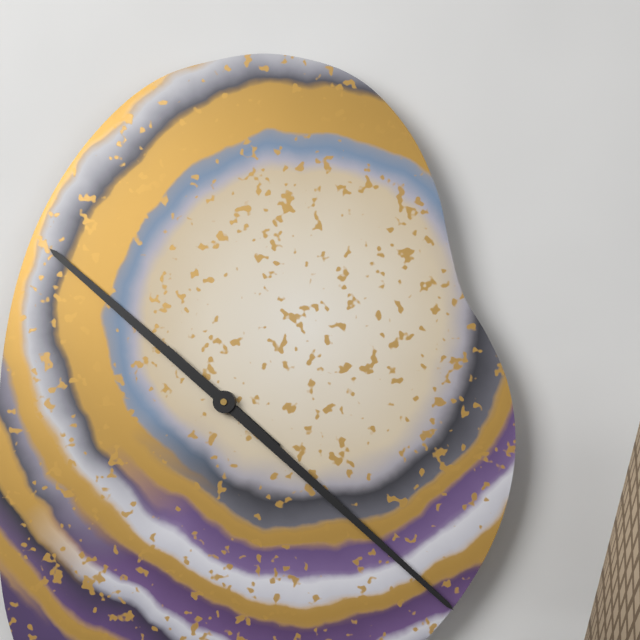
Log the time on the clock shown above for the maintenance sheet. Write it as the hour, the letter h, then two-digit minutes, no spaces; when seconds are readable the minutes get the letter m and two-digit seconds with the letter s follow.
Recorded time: 10h22
